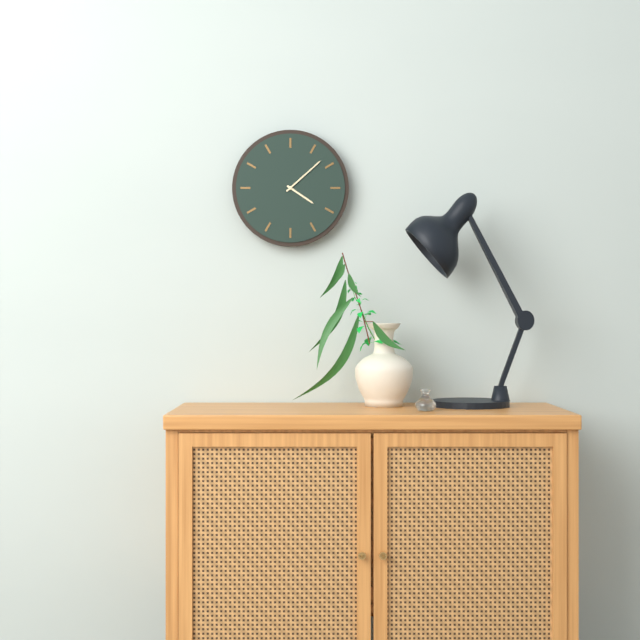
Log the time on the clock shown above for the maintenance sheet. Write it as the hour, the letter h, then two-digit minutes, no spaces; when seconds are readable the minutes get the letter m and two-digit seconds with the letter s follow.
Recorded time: 4h08
